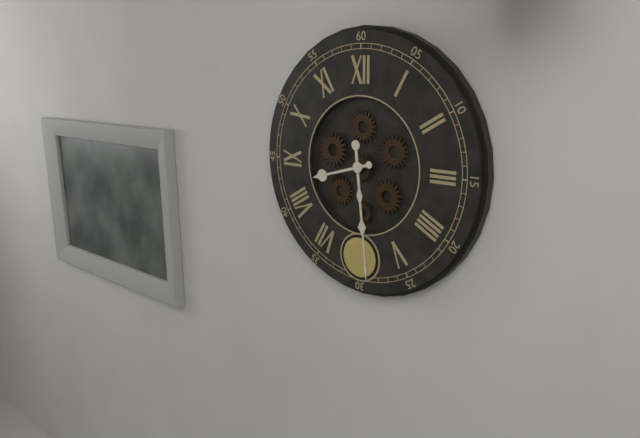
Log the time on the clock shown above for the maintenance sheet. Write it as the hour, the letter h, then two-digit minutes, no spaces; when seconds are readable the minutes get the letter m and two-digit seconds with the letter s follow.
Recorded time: 8h29
